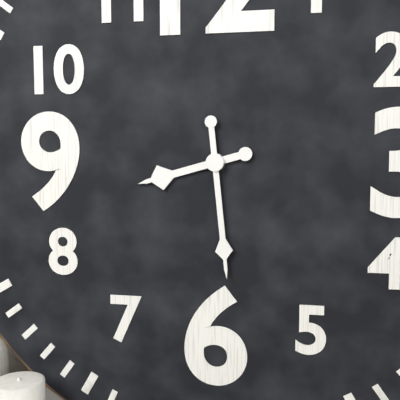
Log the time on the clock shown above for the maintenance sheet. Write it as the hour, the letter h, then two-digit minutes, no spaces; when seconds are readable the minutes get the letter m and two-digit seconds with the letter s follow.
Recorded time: 8h29
